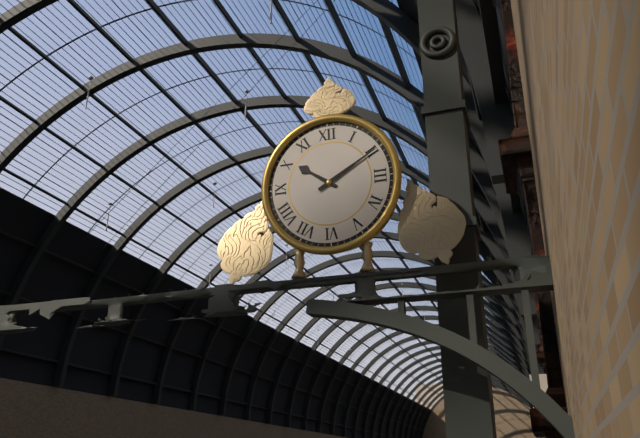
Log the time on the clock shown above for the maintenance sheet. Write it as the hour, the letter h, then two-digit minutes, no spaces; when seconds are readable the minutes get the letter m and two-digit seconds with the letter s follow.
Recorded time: 10h10
